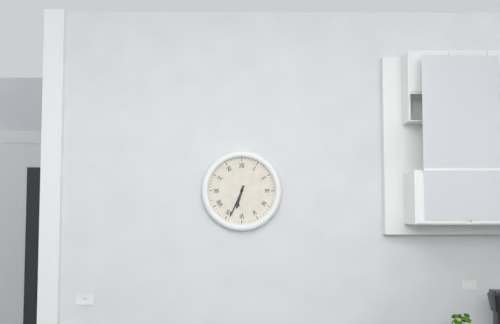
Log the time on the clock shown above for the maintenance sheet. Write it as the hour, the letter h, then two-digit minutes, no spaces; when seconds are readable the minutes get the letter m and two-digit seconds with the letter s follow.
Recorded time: 6h34
